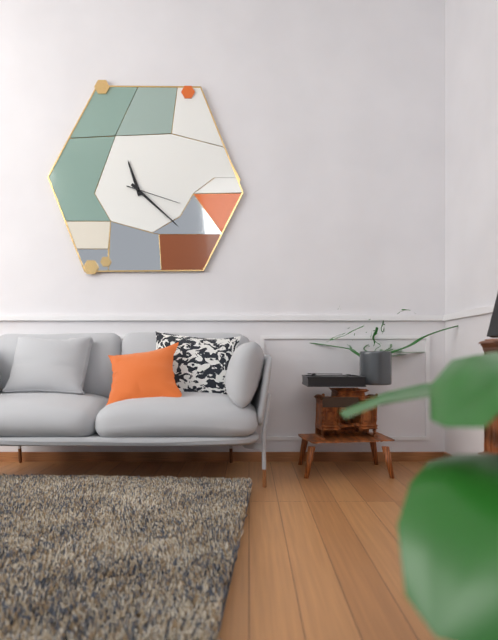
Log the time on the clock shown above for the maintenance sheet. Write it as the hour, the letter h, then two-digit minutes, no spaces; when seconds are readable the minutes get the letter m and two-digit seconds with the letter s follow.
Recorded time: 11h22m18s
